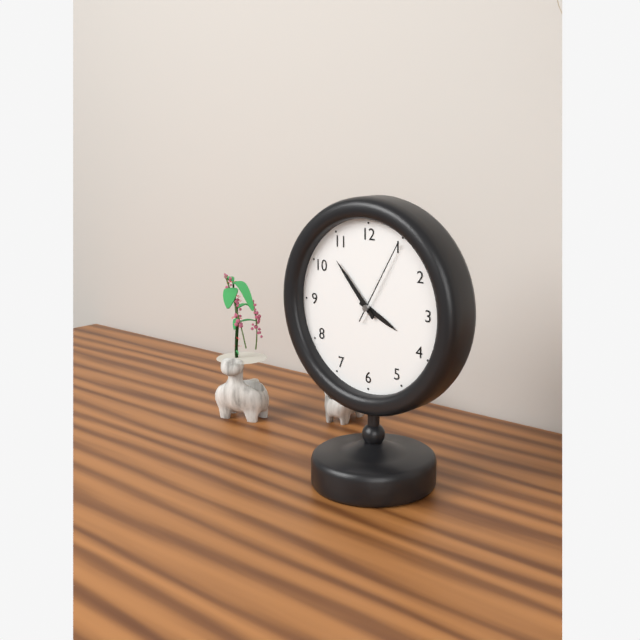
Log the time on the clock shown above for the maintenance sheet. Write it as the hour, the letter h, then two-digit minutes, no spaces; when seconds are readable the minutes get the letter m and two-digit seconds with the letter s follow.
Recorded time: 3h53m05s
